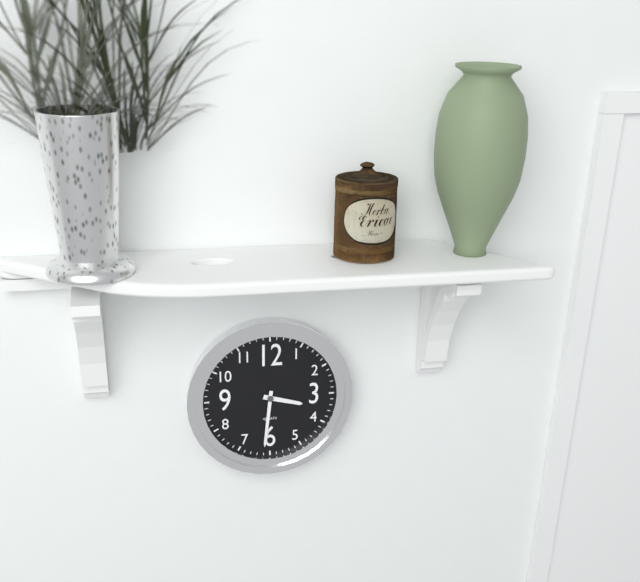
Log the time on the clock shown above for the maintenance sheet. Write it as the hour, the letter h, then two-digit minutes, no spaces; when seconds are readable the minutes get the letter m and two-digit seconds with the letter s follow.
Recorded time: 3h31
